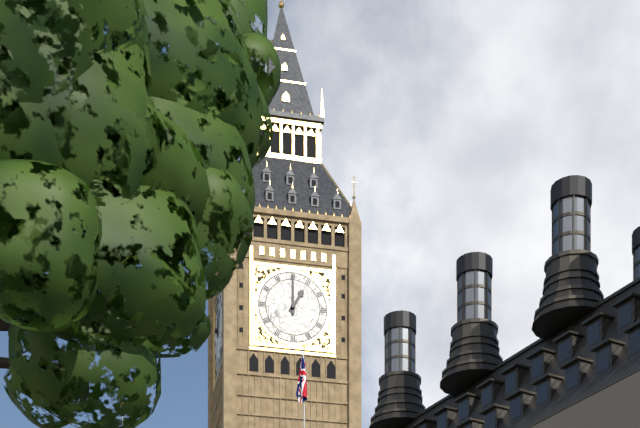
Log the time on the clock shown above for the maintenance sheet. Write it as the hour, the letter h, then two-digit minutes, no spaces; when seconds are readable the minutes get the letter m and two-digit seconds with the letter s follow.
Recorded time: 1h00
